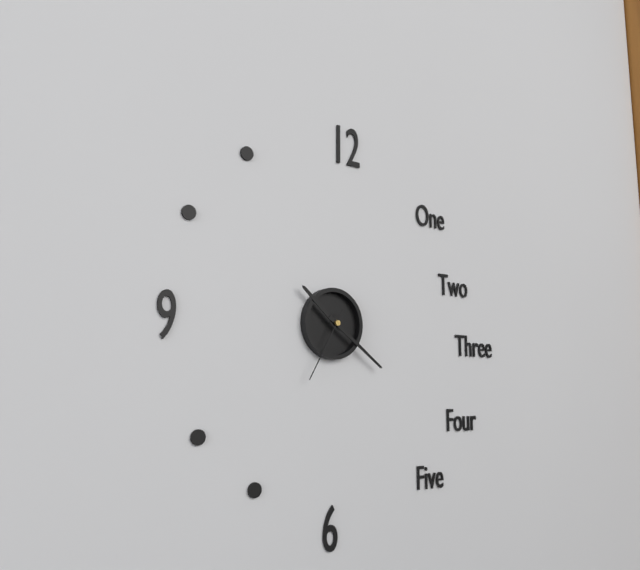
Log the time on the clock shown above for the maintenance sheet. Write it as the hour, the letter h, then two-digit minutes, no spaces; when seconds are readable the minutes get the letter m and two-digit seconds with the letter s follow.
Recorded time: 10h21m35s
